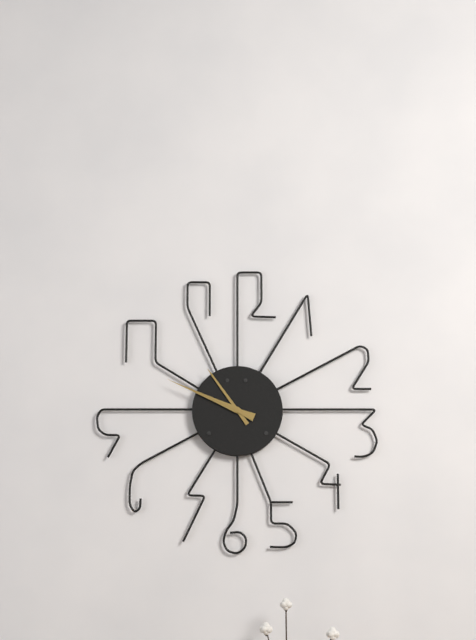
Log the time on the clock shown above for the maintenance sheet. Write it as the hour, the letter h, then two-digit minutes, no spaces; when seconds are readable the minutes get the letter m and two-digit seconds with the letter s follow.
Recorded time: 10h49
